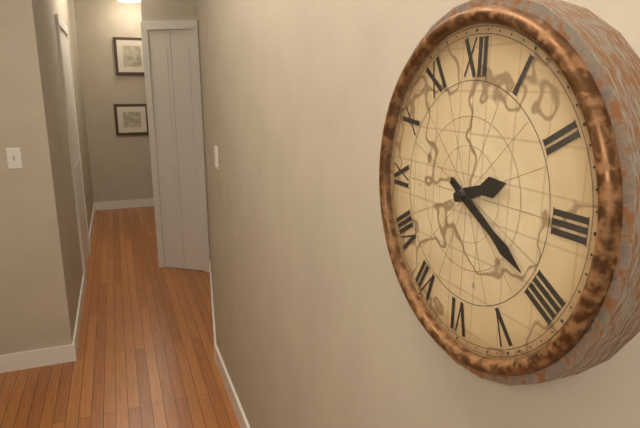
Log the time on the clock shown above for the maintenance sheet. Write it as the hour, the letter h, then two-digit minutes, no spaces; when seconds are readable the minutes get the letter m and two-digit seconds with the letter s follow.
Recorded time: 2h20
